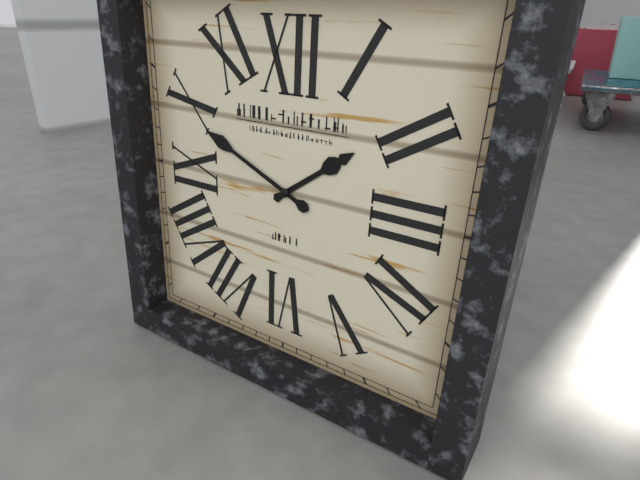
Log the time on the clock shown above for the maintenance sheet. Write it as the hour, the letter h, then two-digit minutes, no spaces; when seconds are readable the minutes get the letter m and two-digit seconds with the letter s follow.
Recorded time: 1h49
